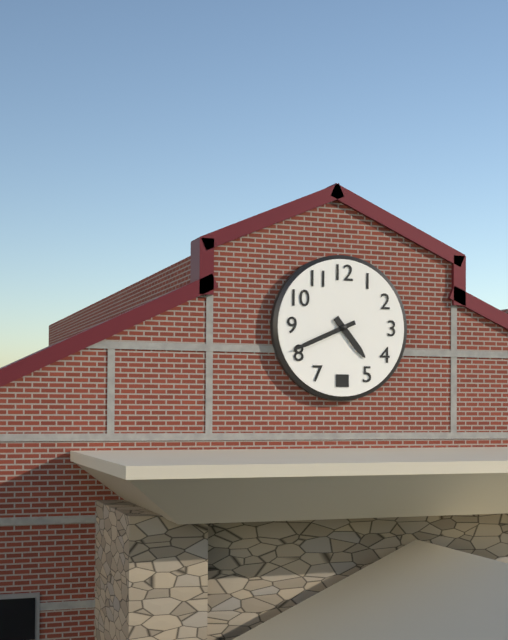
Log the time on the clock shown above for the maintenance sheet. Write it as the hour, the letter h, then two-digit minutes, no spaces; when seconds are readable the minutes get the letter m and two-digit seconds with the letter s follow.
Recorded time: 4h41
